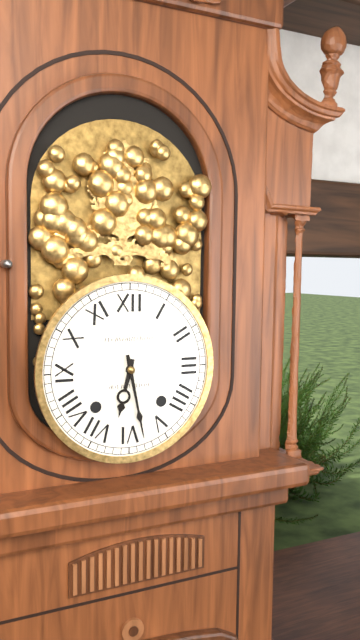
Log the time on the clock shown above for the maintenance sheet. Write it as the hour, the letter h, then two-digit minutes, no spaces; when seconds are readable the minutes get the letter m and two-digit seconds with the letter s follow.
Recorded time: 6h28
